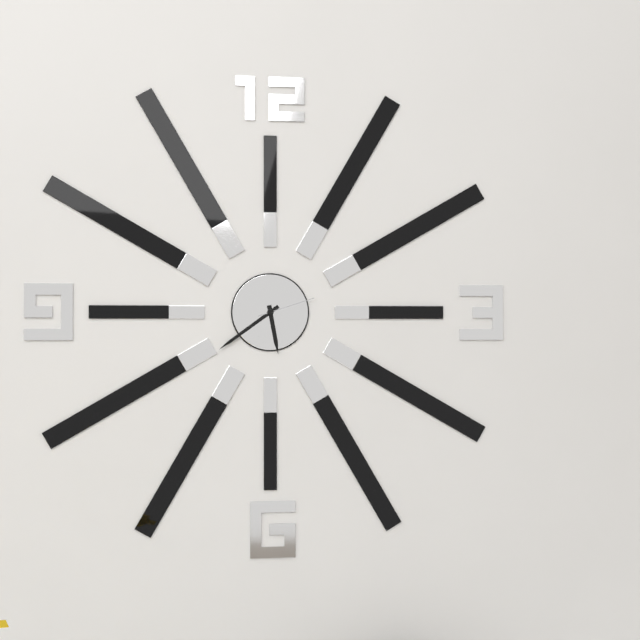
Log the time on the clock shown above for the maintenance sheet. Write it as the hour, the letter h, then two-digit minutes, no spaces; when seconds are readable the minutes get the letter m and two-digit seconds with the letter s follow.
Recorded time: 5h39m12s
